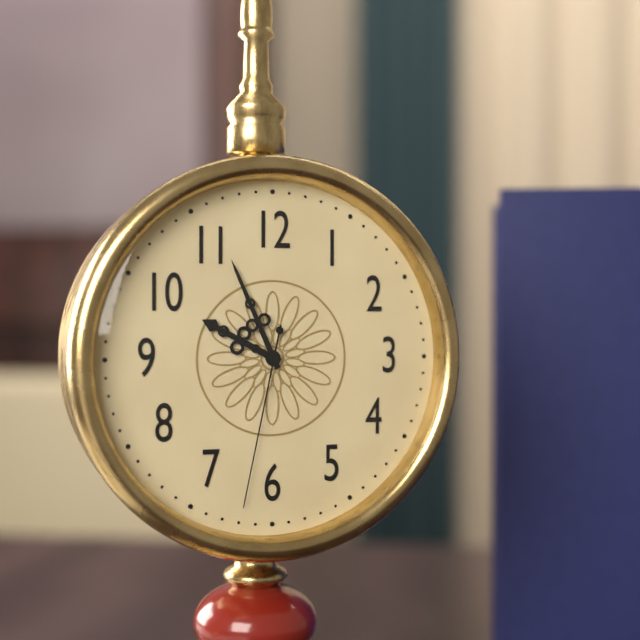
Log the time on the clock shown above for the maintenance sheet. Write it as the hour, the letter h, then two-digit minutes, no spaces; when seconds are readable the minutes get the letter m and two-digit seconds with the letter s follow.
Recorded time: 9h56m32s
